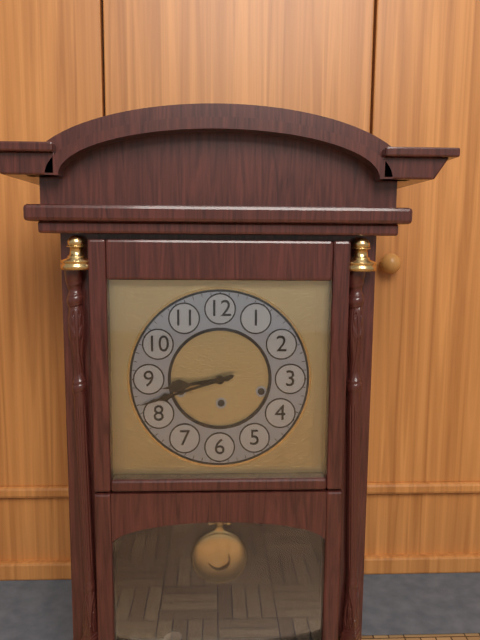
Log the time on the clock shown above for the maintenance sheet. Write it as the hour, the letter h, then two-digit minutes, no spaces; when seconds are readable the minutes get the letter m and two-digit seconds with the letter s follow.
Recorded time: 8h42
